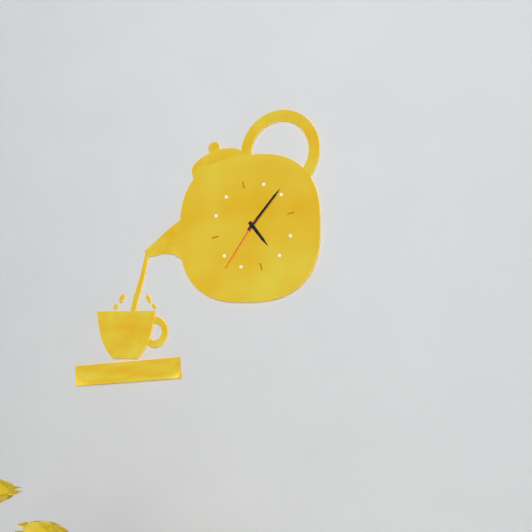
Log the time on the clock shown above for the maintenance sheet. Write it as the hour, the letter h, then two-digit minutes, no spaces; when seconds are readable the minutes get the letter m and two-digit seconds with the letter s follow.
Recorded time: 5h09m38s
